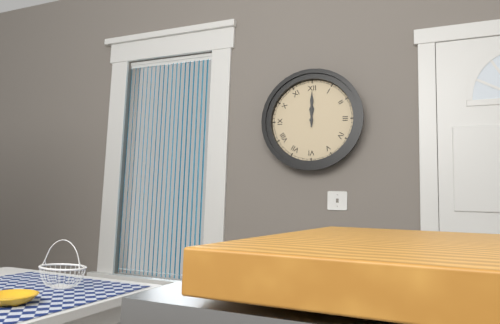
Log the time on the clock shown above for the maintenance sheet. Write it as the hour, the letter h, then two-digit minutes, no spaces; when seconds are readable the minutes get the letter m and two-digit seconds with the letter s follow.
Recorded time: 12h00
